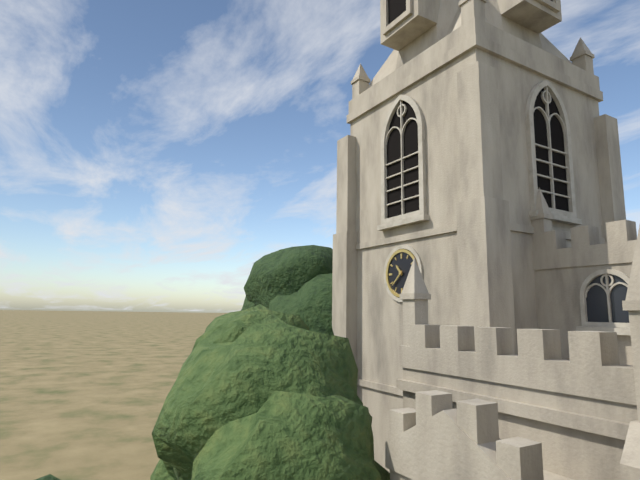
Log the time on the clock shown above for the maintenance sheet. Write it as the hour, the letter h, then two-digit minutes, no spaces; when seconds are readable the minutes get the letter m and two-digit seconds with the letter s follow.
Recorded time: 10h38
